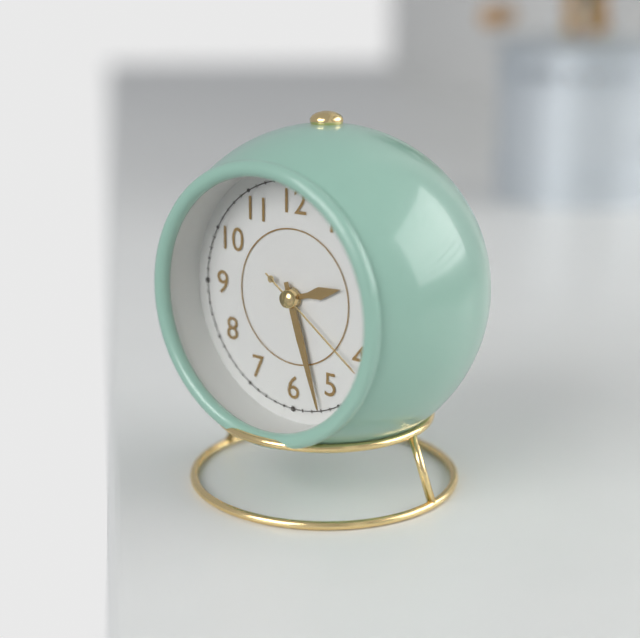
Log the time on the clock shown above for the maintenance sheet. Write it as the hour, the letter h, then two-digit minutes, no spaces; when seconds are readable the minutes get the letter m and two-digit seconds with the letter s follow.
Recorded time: 2h27m21s
